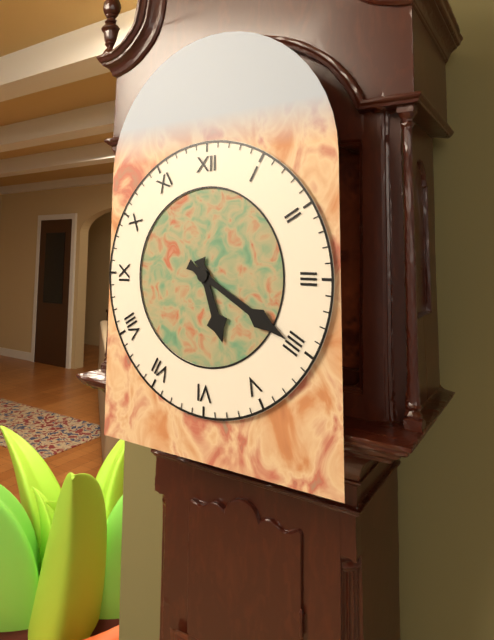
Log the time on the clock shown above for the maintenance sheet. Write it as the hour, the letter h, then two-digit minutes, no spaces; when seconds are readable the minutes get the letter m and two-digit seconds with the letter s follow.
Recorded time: 5h20
